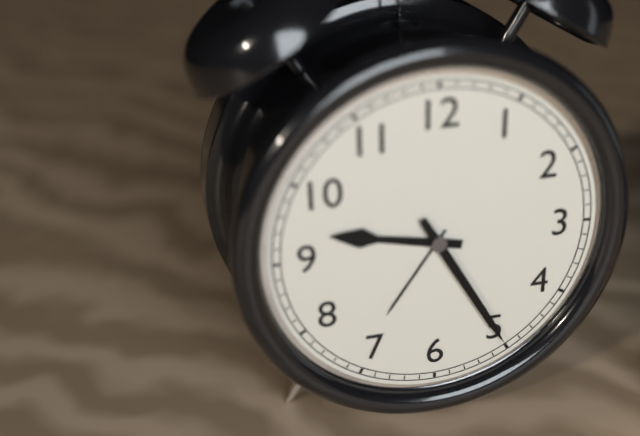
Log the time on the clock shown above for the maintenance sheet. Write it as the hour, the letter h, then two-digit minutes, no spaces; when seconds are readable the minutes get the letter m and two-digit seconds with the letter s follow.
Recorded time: 9h25
